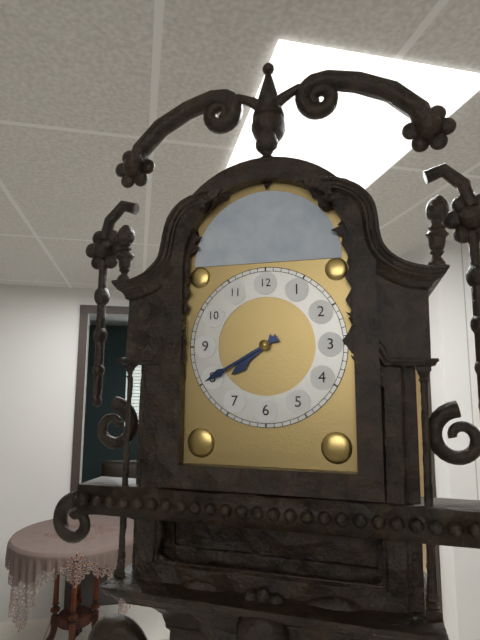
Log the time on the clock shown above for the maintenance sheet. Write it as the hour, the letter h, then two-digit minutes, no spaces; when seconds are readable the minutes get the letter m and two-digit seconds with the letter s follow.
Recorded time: 7h40
